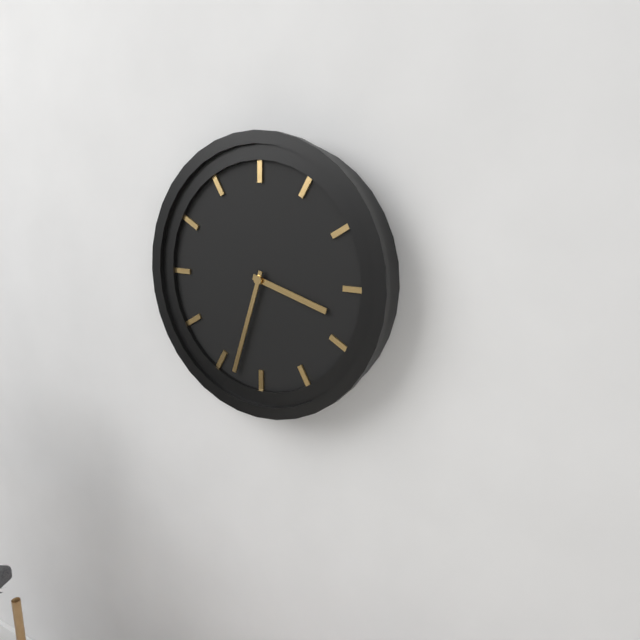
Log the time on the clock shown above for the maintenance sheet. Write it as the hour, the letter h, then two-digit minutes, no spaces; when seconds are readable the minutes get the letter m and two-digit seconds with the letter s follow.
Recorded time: 3h33
